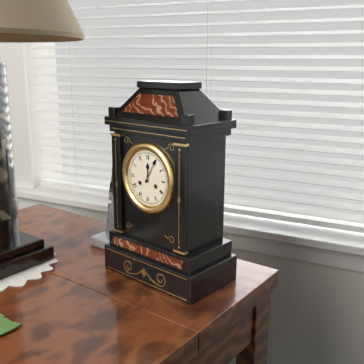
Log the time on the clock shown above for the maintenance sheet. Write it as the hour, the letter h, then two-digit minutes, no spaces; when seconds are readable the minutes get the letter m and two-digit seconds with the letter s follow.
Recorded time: 12h05
